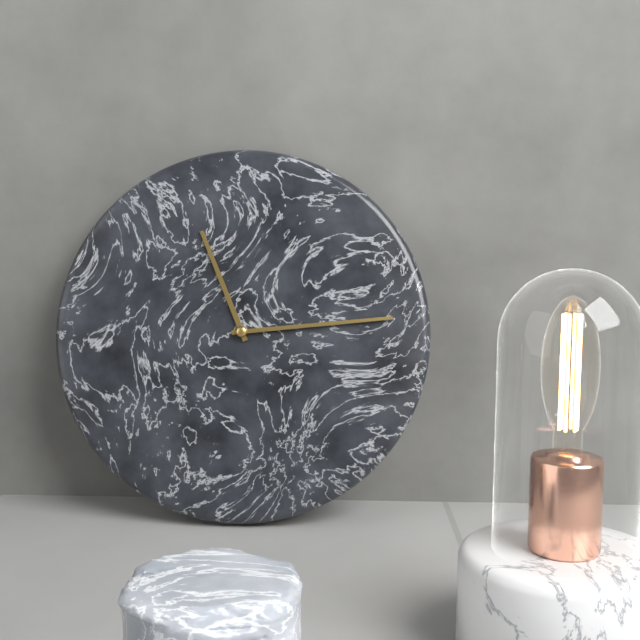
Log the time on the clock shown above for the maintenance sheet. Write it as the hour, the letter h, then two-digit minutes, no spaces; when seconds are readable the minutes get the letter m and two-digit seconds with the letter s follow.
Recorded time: 11h14
